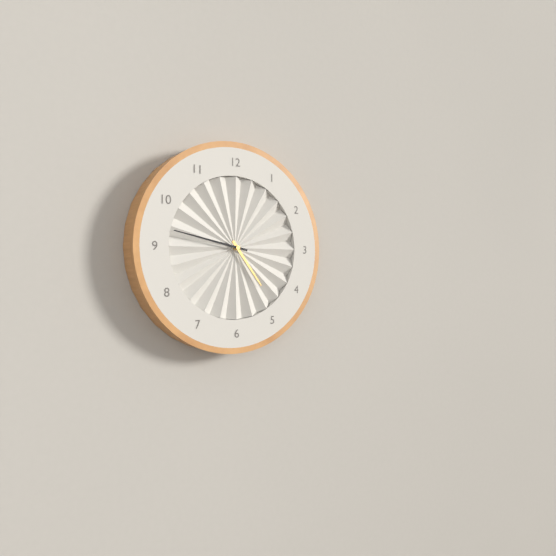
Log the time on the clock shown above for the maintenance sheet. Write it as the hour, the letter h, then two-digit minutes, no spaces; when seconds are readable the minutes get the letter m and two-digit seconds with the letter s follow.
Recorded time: 4h47
